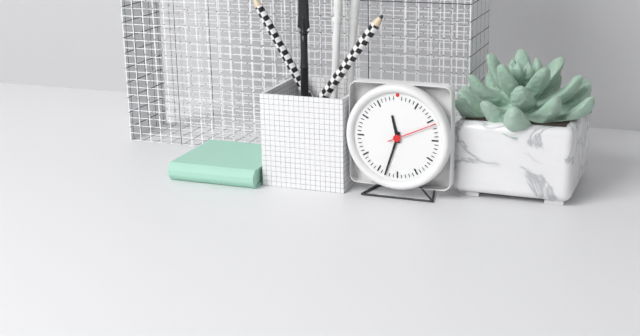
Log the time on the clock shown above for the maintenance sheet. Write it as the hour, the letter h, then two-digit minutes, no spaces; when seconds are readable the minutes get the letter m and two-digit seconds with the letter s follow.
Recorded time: 11h33m11s
